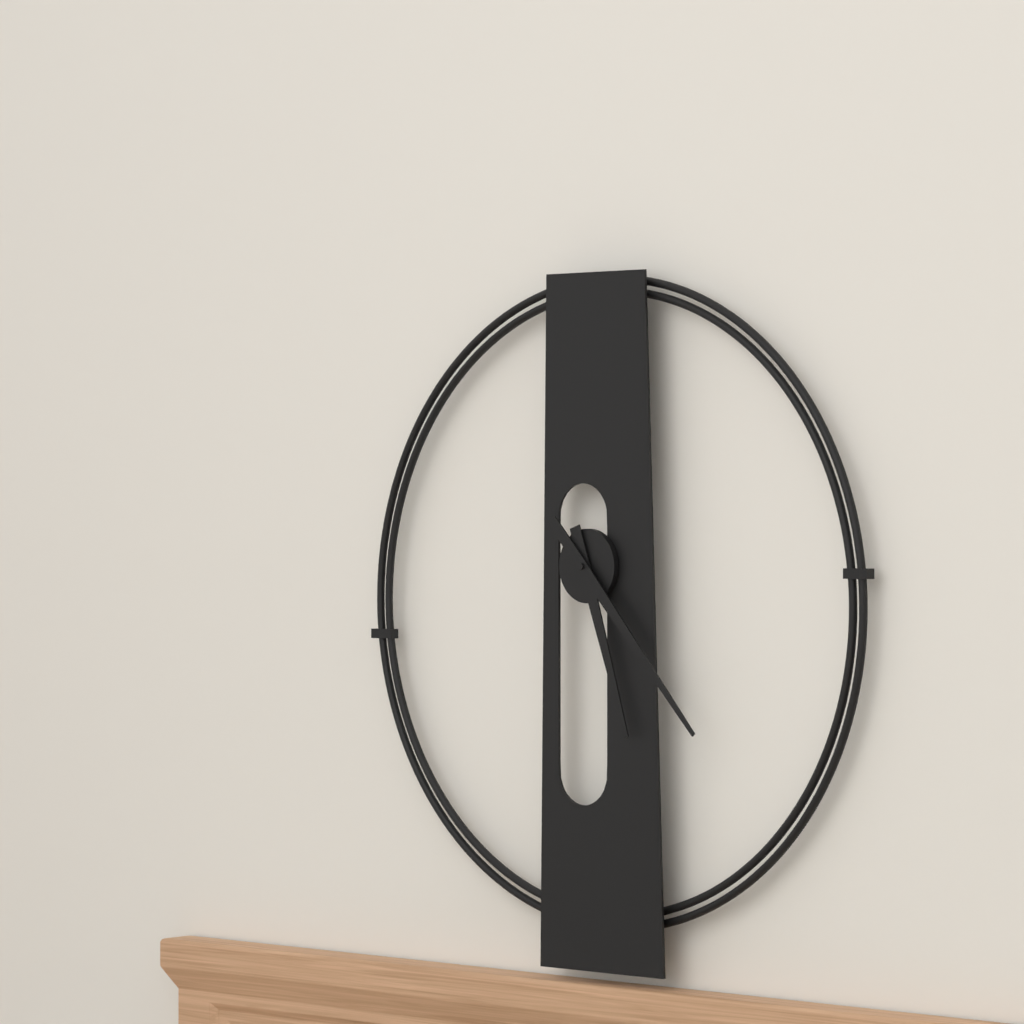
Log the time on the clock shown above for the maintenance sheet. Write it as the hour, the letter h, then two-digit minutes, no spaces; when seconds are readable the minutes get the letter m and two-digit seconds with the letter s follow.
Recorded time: 5h23
